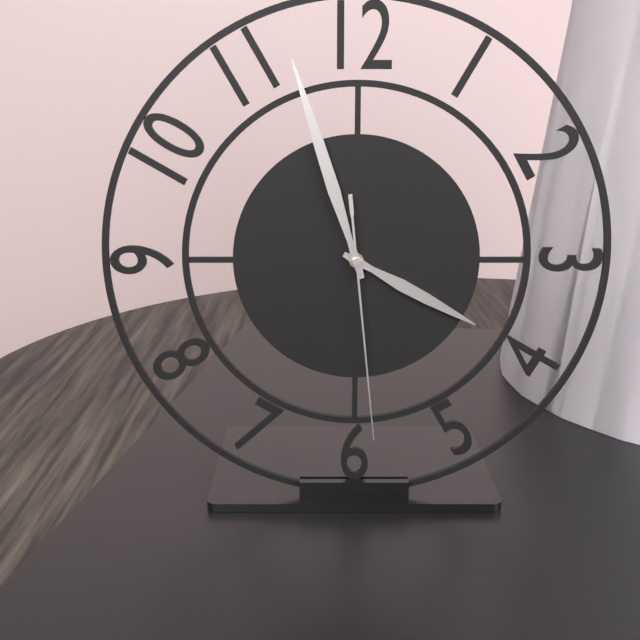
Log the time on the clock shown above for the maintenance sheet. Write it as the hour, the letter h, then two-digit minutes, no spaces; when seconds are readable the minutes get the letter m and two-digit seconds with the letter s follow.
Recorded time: 3h57m29s
